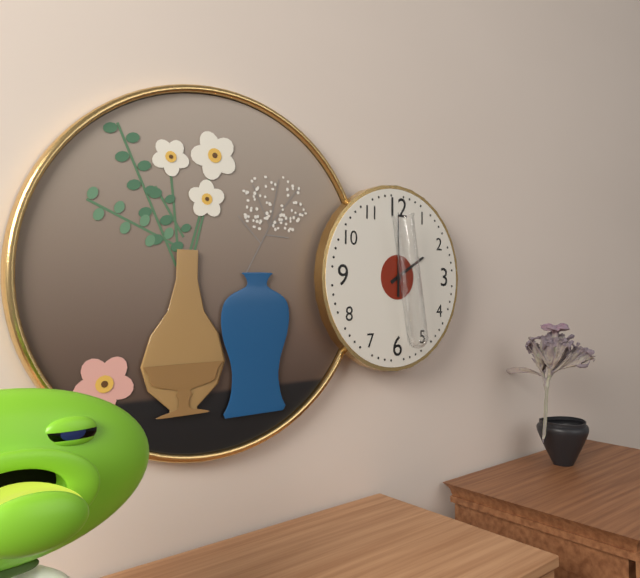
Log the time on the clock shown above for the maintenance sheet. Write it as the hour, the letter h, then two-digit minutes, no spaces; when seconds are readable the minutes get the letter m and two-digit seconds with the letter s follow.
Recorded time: 2h00
